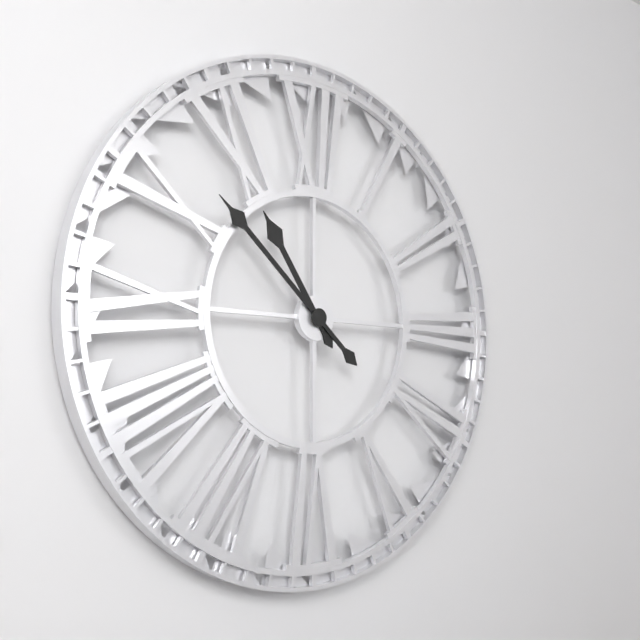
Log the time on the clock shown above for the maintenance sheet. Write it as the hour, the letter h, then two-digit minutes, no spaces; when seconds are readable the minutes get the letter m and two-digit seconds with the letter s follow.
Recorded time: 10h52
